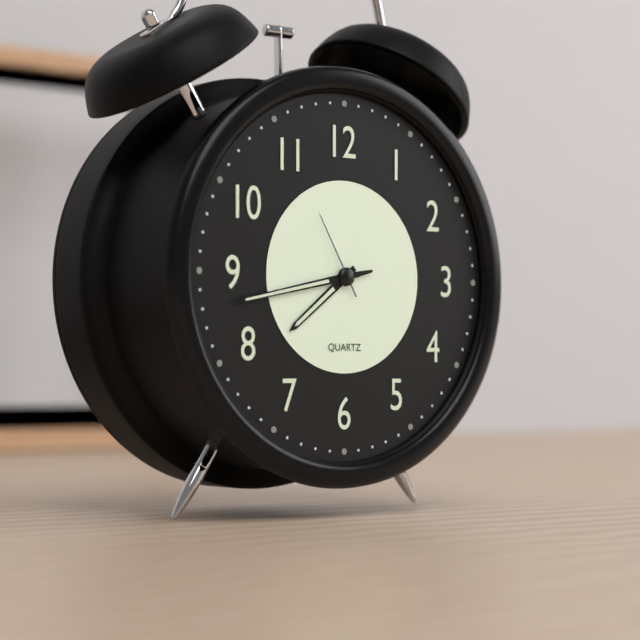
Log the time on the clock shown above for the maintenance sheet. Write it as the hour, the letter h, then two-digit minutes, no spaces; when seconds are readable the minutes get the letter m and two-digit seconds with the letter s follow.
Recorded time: 7h43m55s
